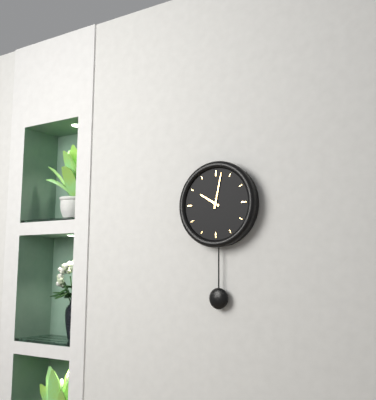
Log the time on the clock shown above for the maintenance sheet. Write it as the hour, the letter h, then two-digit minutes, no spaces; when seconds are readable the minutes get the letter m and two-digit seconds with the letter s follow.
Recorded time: 10h02
